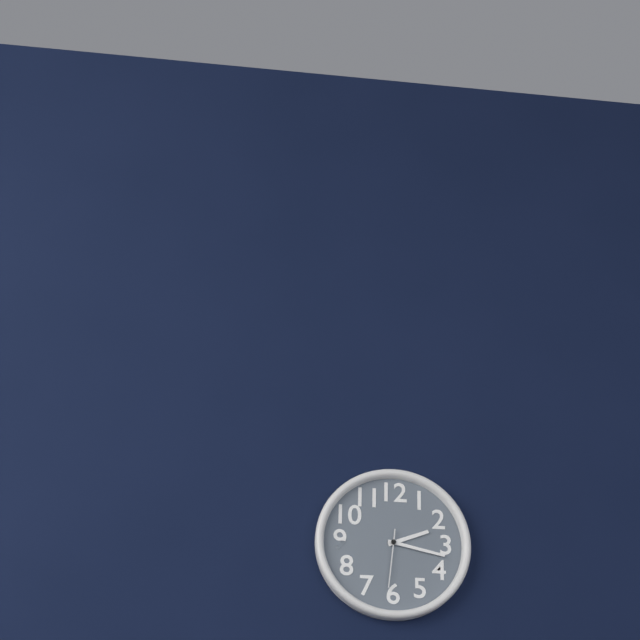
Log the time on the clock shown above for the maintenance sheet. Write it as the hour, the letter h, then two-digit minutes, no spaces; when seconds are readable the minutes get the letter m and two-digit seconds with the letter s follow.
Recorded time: 2h17m31s
